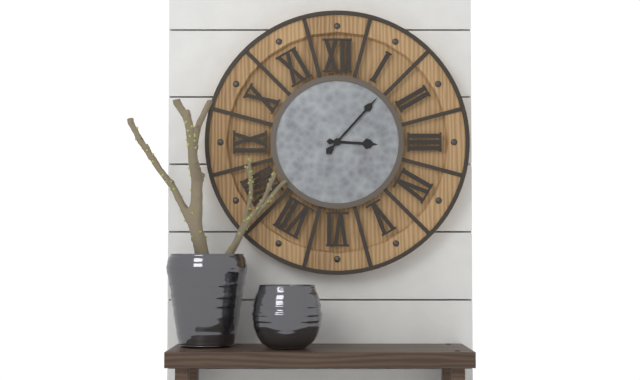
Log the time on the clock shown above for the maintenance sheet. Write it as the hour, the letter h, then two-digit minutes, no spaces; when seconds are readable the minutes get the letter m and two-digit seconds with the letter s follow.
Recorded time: 3h07
